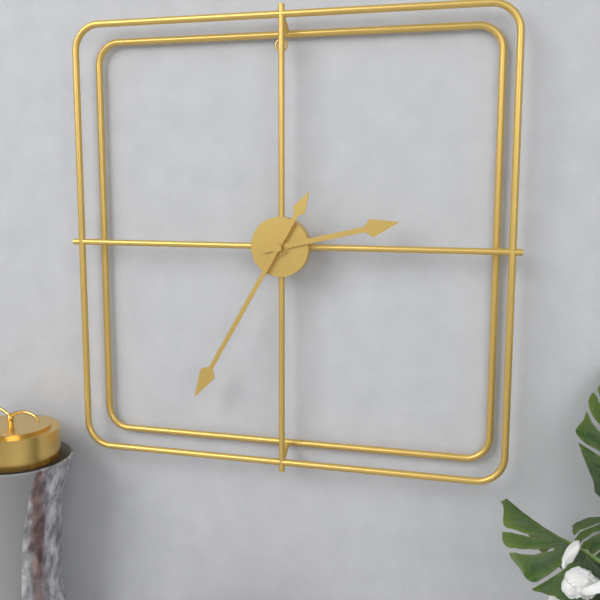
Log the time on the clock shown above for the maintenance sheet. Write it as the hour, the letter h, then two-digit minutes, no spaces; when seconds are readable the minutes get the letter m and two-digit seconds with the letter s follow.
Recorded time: 2h35
